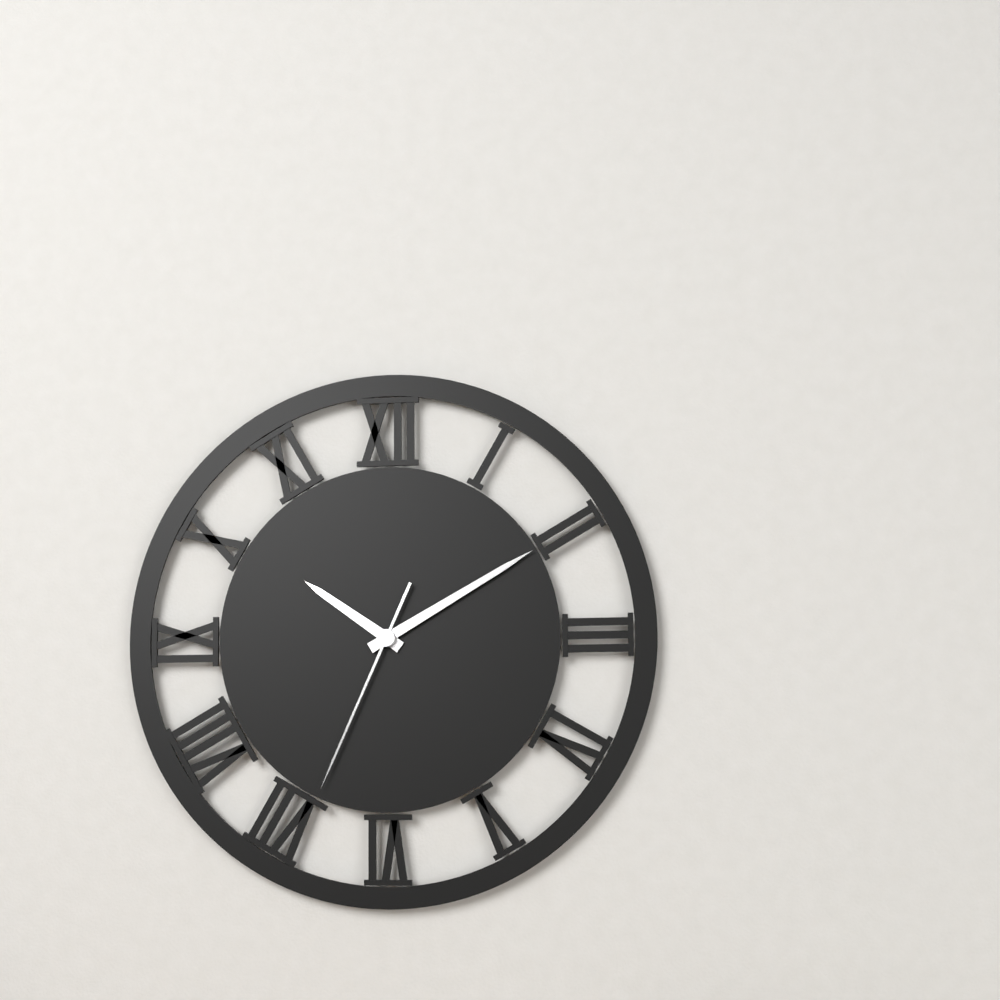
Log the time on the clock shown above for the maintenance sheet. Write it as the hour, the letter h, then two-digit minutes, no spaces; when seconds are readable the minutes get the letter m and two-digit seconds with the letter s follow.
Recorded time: 10h10m34s
